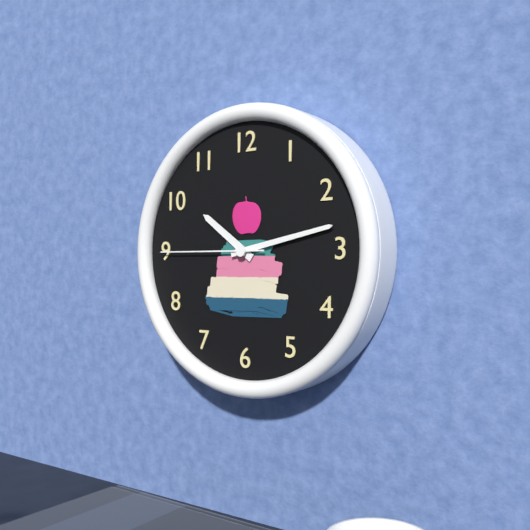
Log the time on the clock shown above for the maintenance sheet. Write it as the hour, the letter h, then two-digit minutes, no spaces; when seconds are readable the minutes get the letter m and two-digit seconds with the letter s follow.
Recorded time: 10h13m45s
